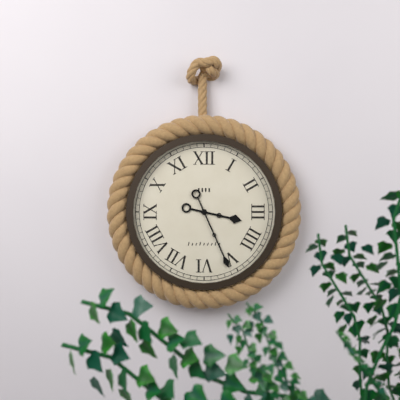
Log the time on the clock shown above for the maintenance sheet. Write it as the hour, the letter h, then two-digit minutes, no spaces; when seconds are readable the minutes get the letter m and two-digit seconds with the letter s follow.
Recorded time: 3h26
